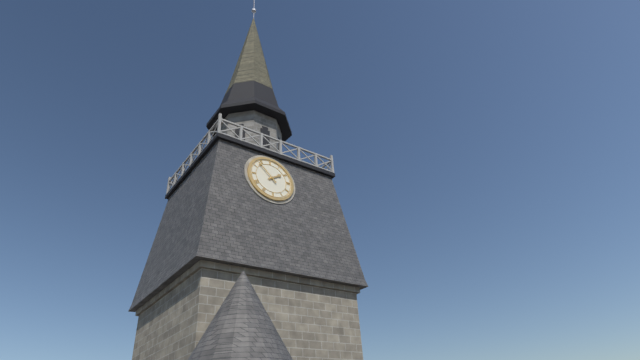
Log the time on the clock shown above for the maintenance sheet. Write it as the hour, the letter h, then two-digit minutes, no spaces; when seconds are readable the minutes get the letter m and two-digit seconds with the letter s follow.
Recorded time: 1h53
